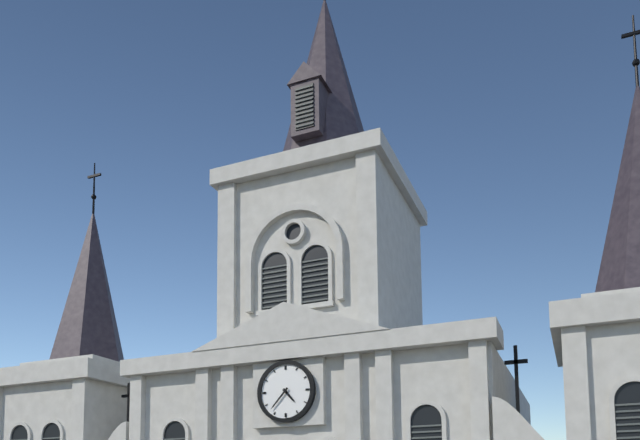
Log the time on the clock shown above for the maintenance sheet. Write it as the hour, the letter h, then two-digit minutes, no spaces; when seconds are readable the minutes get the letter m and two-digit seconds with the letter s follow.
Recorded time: 4h37
